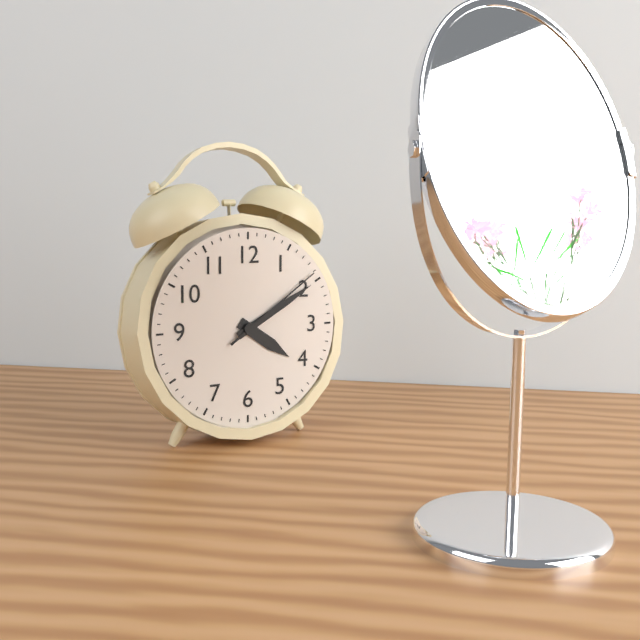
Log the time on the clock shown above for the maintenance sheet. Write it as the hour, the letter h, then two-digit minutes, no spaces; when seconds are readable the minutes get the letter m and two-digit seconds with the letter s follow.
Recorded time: 4h10m09s
